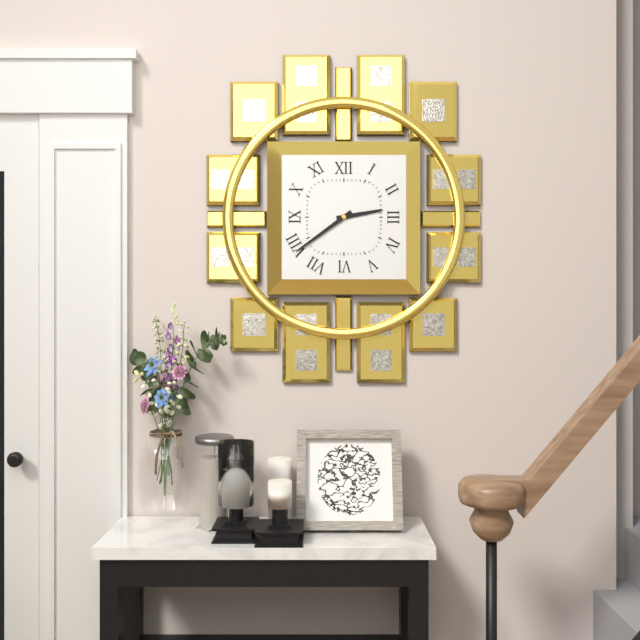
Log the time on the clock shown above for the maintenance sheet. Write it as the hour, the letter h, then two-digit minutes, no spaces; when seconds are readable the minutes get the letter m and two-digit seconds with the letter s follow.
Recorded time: 2h39
